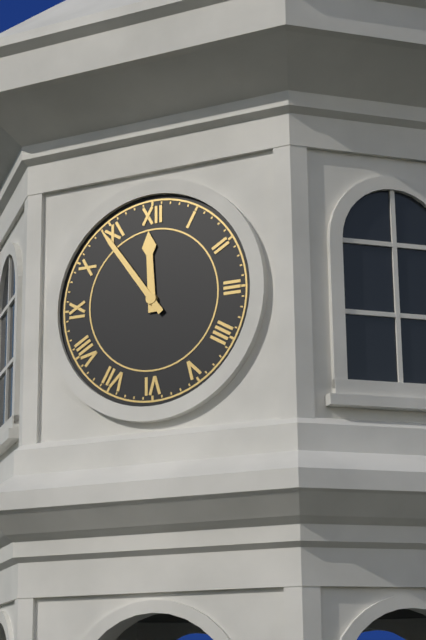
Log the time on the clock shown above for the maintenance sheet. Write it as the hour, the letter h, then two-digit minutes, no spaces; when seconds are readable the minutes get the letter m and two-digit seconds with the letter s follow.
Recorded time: 11h54
